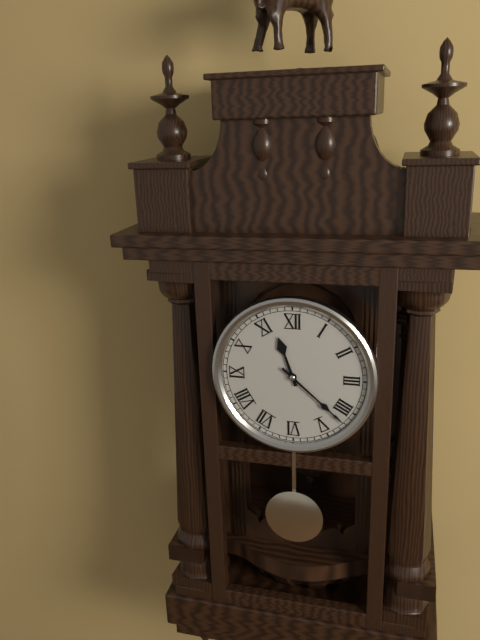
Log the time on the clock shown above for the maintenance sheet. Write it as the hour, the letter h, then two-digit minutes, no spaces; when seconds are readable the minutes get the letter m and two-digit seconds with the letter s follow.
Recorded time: 11h22
